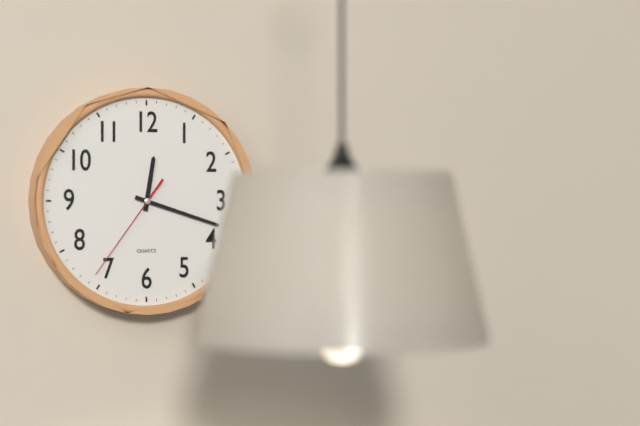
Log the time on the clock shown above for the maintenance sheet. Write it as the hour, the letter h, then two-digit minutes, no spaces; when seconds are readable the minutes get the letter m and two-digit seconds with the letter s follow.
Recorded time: 12h18m36s
